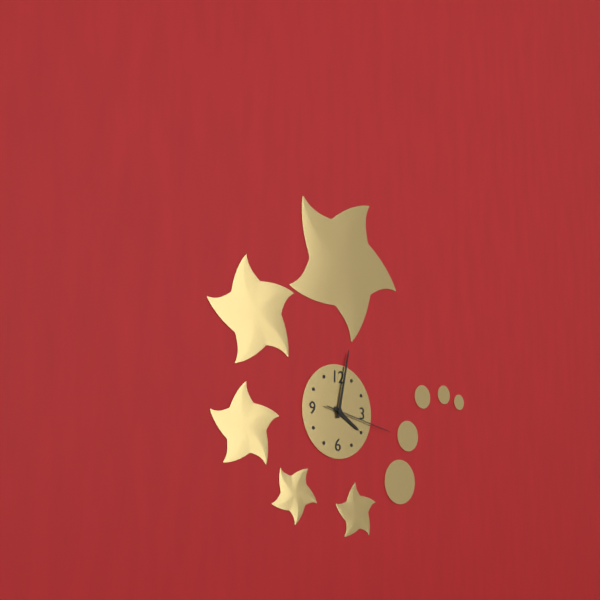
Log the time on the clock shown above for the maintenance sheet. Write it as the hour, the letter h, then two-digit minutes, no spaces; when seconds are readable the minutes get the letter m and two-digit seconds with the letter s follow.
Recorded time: 4h02m17s
